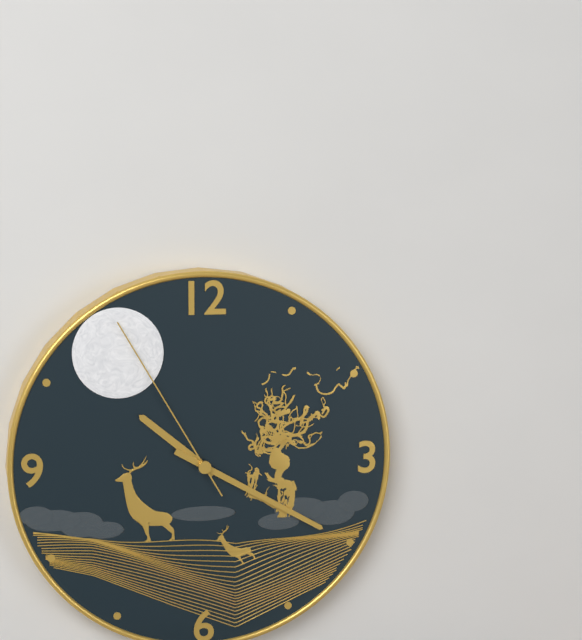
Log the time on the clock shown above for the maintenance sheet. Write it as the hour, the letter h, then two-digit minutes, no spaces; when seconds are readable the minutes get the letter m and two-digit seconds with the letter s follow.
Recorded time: 10h20m55s
